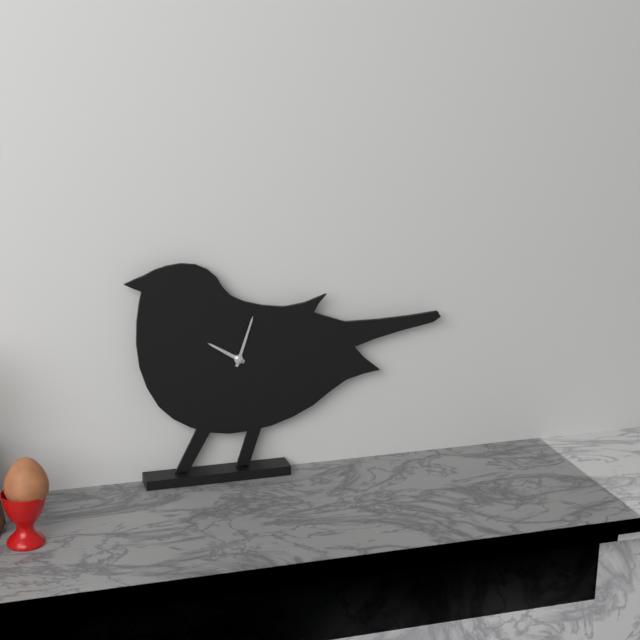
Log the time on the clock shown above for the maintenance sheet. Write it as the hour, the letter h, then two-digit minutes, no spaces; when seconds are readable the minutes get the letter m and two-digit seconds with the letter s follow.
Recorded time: 10h03
